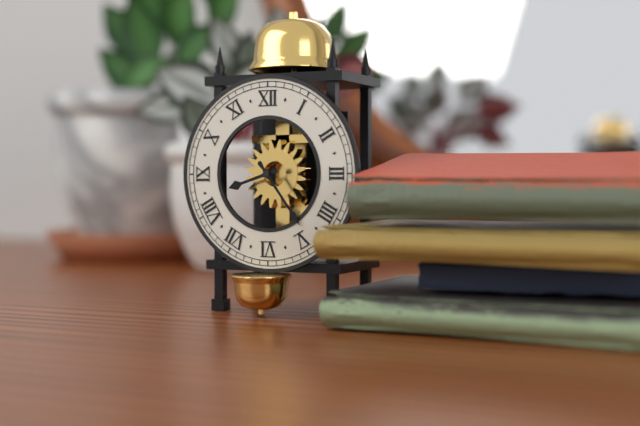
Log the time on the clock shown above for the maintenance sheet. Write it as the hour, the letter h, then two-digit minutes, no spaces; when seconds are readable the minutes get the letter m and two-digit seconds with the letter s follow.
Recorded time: 8h24
